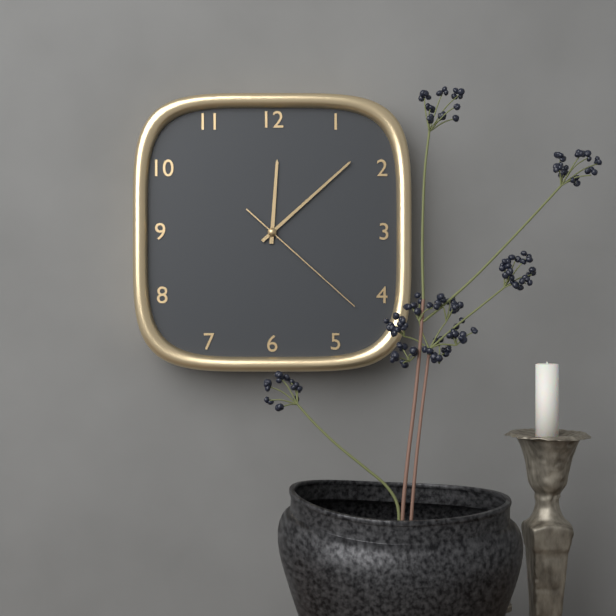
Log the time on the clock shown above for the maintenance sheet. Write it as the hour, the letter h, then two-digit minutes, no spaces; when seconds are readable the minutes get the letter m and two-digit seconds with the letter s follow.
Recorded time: 12h08m22s
